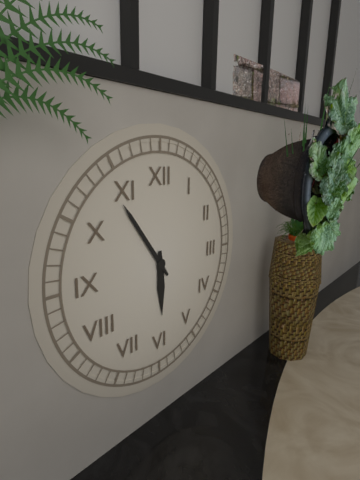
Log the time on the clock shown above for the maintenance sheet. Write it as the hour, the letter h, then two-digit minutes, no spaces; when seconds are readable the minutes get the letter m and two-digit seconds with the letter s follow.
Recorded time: 5h54
